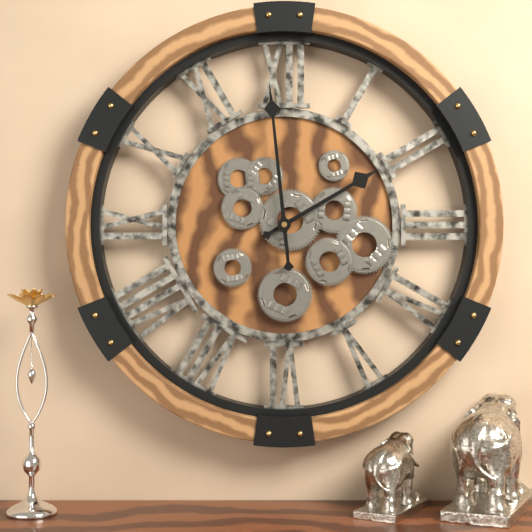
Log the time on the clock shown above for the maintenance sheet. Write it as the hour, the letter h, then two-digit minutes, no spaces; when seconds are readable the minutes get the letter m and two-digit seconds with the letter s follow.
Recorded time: 1h59
